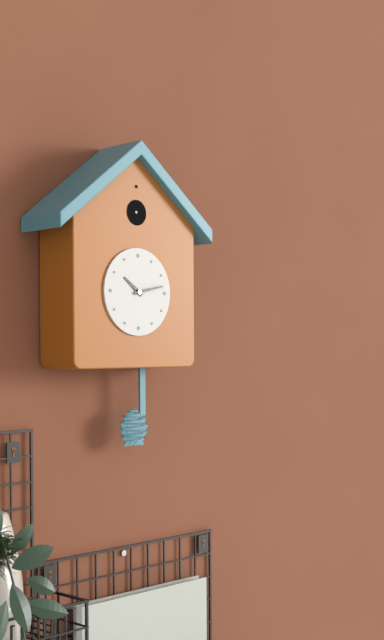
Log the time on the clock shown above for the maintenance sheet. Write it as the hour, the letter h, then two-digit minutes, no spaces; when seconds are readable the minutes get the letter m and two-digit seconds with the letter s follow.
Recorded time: 10h13
